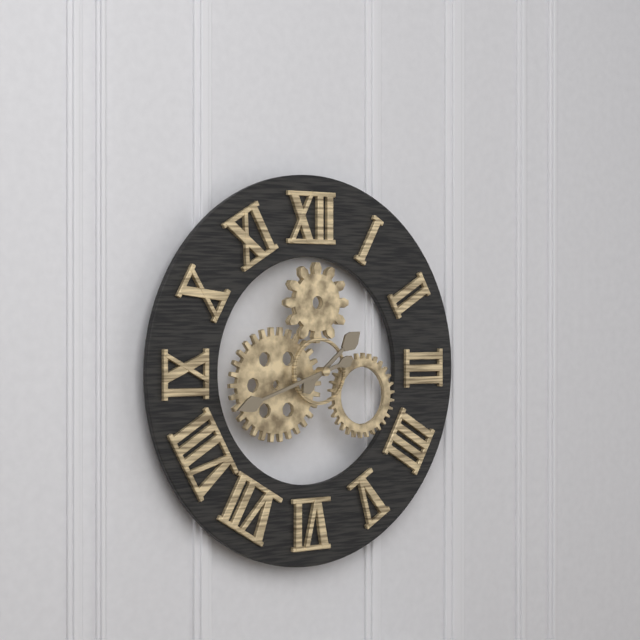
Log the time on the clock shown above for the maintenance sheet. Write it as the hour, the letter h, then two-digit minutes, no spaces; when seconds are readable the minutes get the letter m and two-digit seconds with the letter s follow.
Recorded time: 1h42
